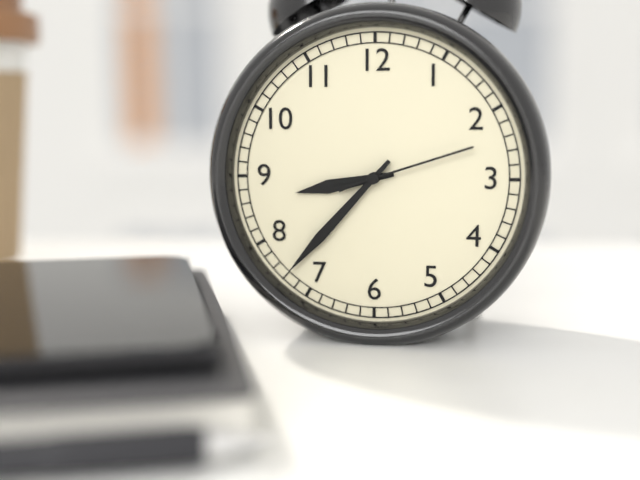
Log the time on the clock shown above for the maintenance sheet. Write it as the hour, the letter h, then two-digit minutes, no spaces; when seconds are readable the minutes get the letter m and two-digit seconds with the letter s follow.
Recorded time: 8h37m12s
